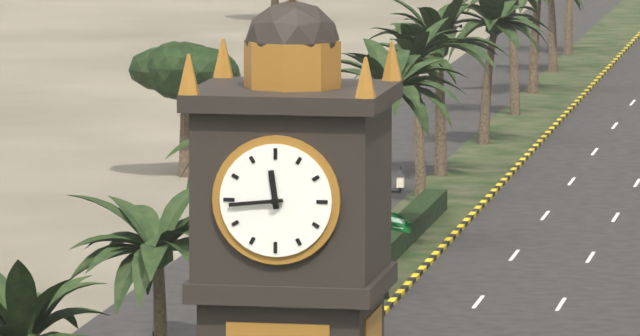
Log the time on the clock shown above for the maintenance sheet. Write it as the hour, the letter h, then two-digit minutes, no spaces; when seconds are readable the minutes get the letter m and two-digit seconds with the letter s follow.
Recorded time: 11h44
